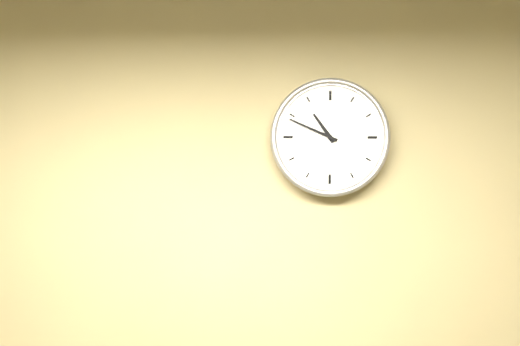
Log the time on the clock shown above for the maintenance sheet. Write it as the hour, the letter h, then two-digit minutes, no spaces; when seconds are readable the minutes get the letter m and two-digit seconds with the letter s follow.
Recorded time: 10h49
